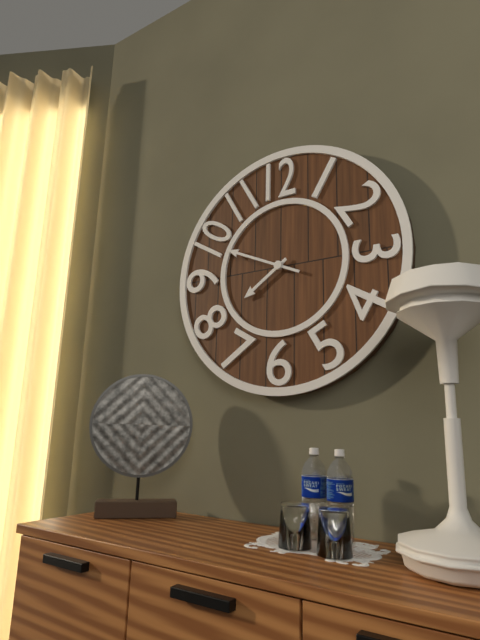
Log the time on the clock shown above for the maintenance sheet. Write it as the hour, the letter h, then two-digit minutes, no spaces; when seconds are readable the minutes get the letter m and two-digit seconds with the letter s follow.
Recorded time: 7h49
